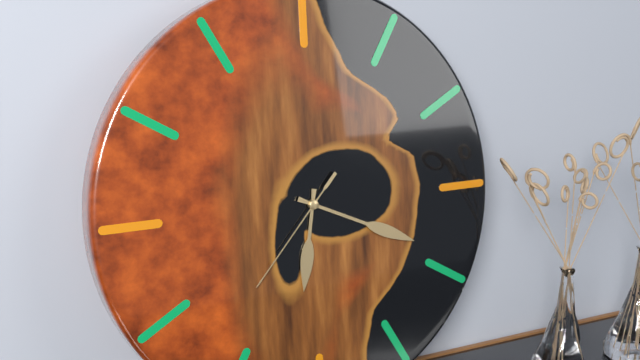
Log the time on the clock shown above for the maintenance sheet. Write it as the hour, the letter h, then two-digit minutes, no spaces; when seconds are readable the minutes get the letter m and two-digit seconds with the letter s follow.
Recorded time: 6h19m37s
